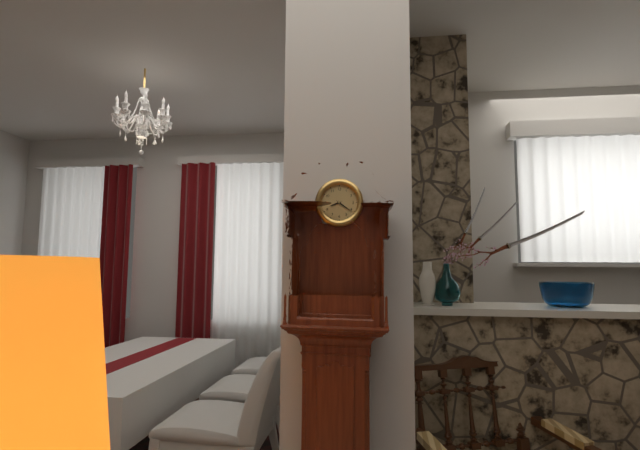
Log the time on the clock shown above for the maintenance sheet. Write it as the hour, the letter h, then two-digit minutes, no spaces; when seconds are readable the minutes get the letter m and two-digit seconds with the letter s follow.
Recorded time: 8h21
